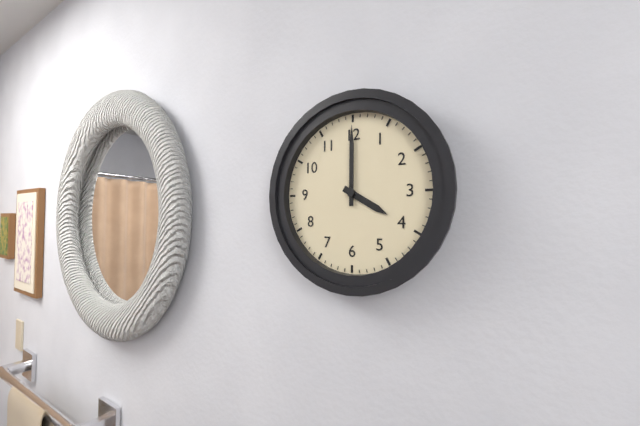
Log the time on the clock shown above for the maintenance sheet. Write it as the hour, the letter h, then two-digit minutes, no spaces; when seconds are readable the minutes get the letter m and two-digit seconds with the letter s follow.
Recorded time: 4h00
